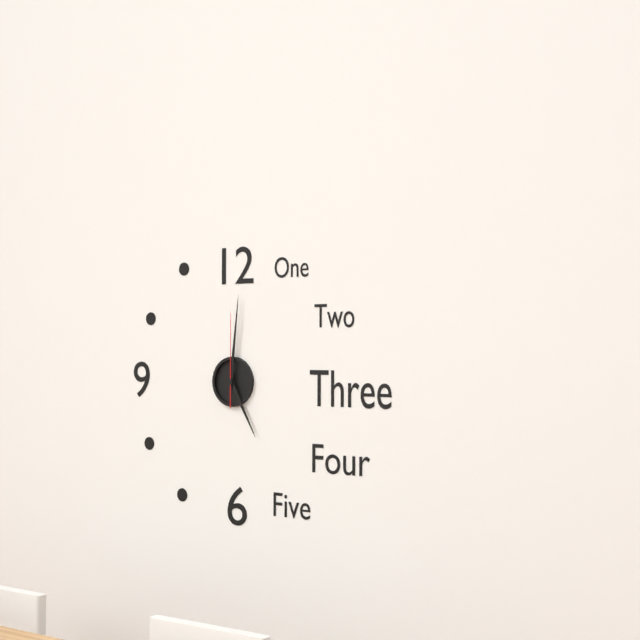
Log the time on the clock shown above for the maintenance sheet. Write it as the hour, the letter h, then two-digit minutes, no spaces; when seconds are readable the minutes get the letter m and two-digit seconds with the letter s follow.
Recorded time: 5h01m00s
